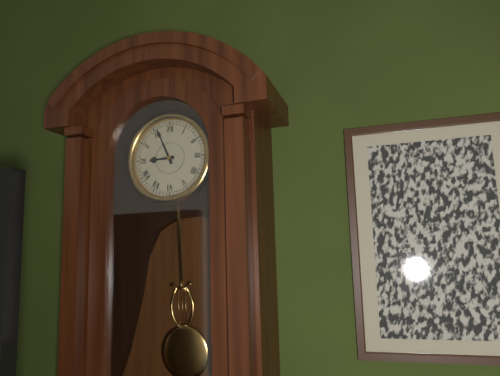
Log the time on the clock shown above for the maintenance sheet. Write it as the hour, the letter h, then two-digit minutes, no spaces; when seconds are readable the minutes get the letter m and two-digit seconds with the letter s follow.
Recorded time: 8h56
